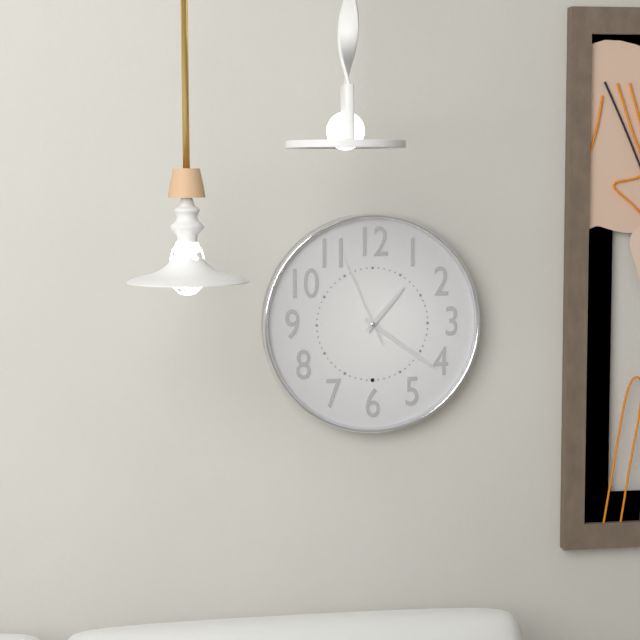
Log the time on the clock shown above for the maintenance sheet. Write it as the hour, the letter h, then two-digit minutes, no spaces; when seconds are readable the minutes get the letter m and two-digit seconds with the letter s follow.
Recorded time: 1h21m56s
